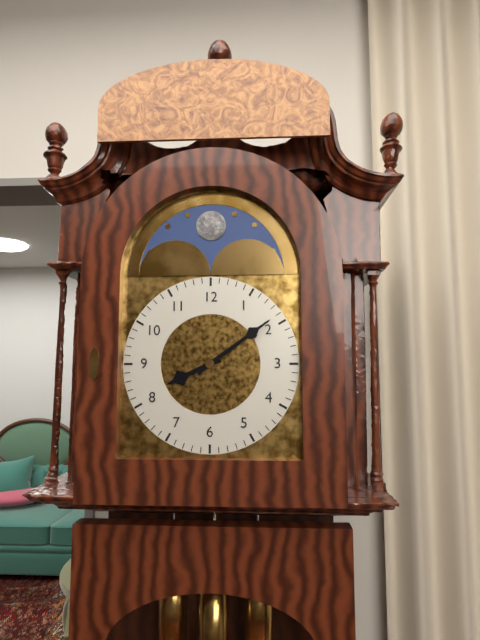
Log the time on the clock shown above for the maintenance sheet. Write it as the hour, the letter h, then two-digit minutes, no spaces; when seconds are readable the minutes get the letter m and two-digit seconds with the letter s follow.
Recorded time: 8h09
